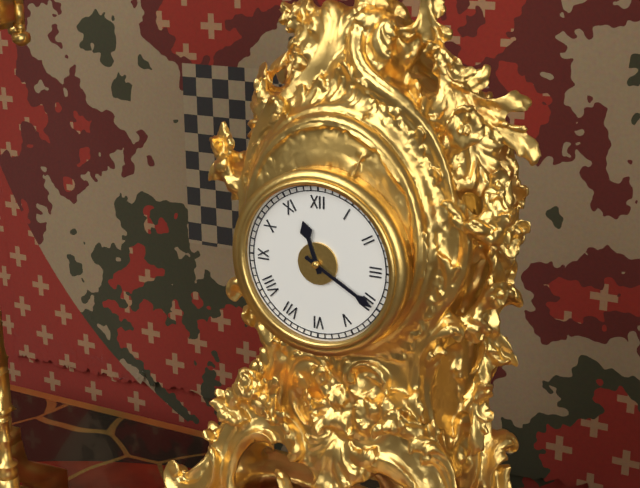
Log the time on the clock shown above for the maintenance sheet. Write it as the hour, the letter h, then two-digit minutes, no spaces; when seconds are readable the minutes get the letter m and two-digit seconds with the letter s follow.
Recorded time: 11h20
